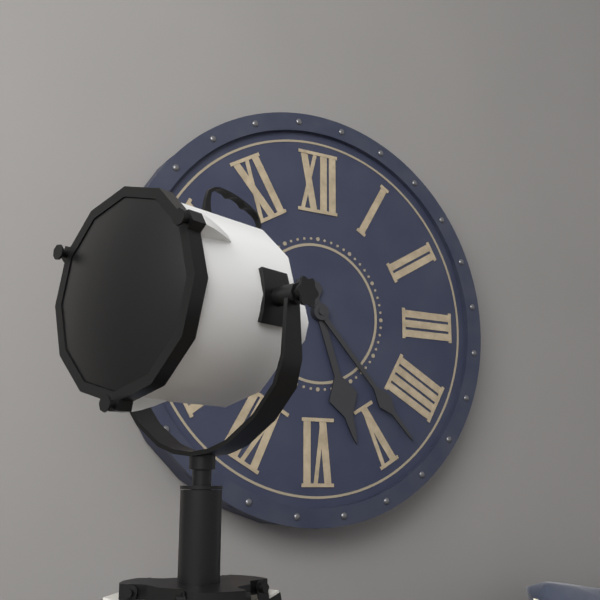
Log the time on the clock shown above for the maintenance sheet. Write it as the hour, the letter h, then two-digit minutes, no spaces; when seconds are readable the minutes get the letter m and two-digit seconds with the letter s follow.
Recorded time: 5h23
